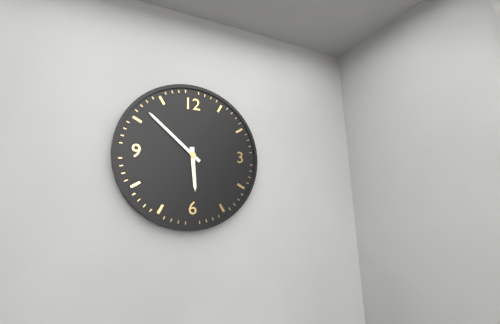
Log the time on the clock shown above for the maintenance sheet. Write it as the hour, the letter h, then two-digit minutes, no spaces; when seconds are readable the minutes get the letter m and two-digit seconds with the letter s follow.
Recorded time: 5h52
